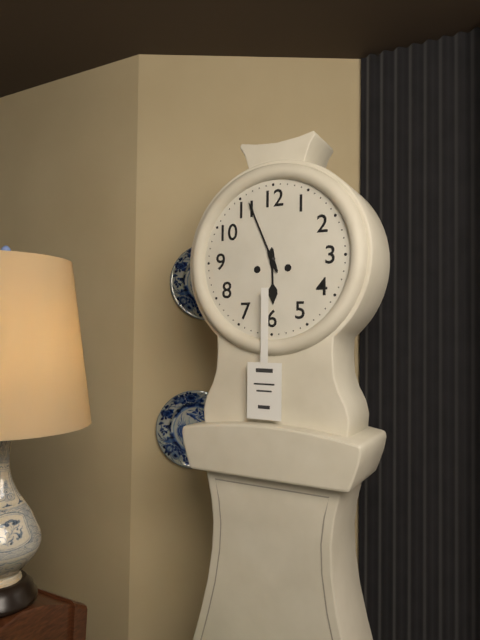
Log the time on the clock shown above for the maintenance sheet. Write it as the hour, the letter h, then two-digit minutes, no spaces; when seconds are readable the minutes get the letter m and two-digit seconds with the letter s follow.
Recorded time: 5h56
